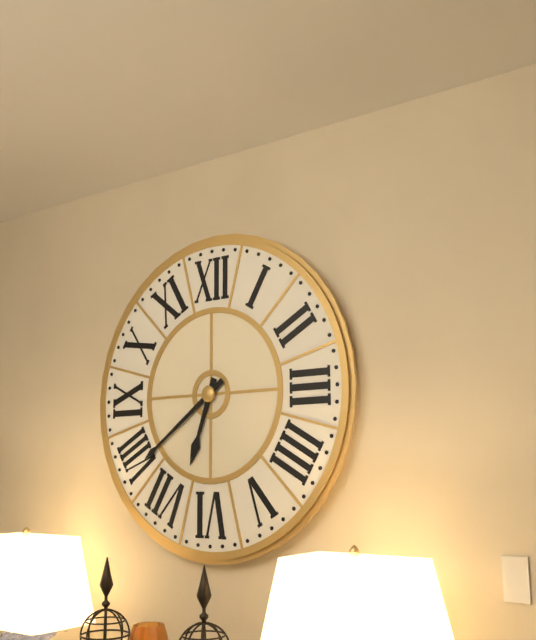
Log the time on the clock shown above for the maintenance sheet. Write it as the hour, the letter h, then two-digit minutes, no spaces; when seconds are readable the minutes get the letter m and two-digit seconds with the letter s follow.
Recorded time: 6h39
